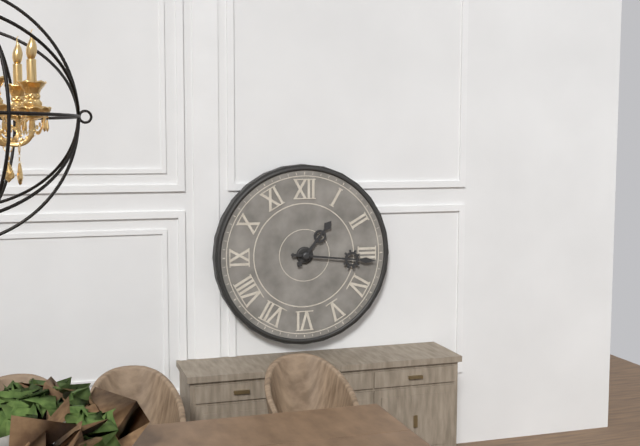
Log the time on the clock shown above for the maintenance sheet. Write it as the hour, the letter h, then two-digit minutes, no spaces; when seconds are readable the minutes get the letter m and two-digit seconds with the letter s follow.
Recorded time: 1h16
